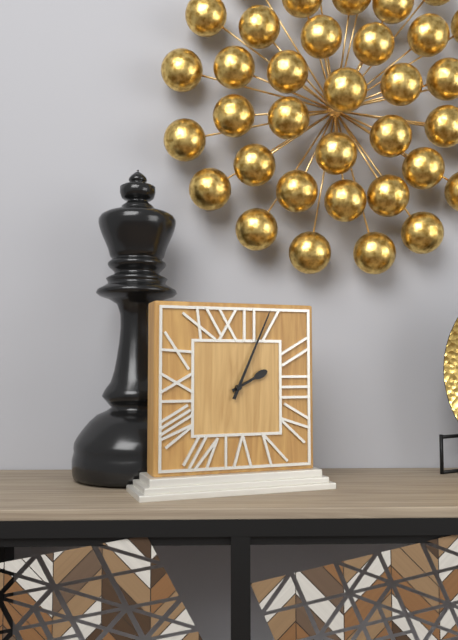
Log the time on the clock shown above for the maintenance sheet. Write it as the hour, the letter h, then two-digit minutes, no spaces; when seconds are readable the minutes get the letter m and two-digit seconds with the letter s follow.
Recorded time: 2h04
